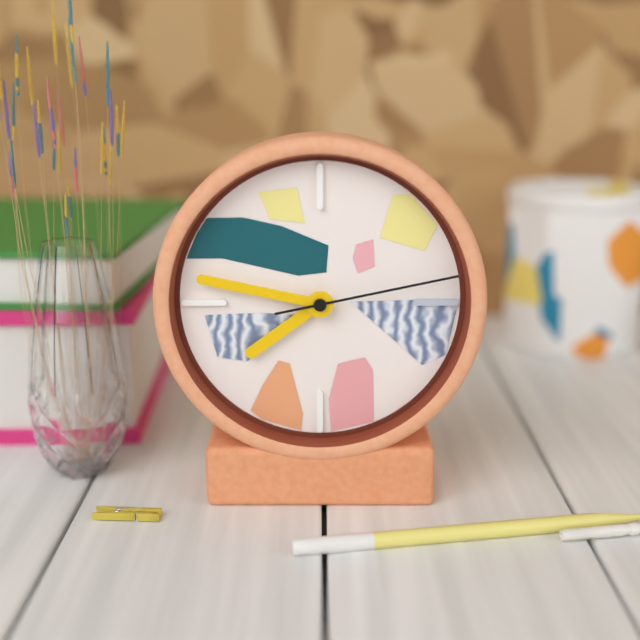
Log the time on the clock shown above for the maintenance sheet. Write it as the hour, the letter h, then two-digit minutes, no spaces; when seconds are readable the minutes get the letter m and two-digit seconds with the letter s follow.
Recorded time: 7h47m13s
